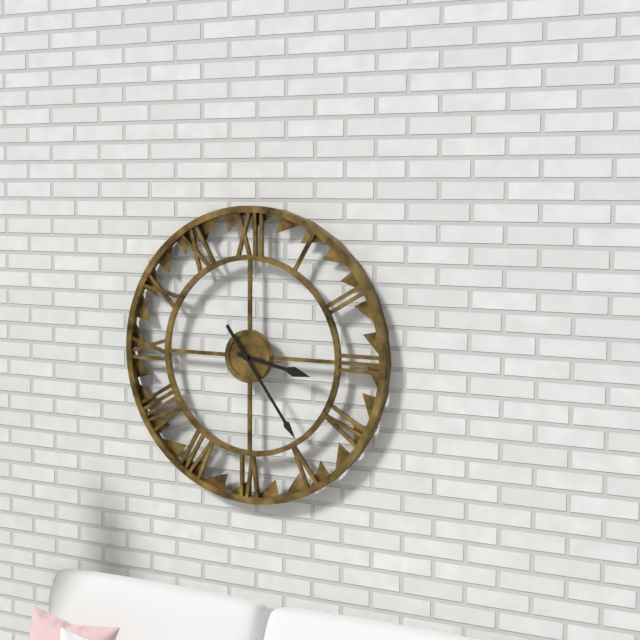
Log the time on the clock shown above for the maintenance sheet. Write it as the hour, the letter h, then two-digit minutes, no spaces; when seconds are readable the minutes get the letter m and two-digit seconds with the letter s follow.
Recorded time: 3h24
